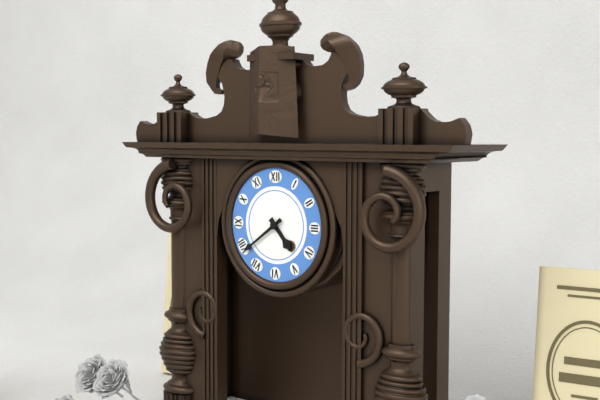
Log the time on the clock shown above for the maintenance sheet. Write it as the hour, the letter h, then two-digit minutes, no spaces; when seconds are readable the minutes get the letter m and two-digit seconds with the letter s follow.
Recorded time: 4h39
